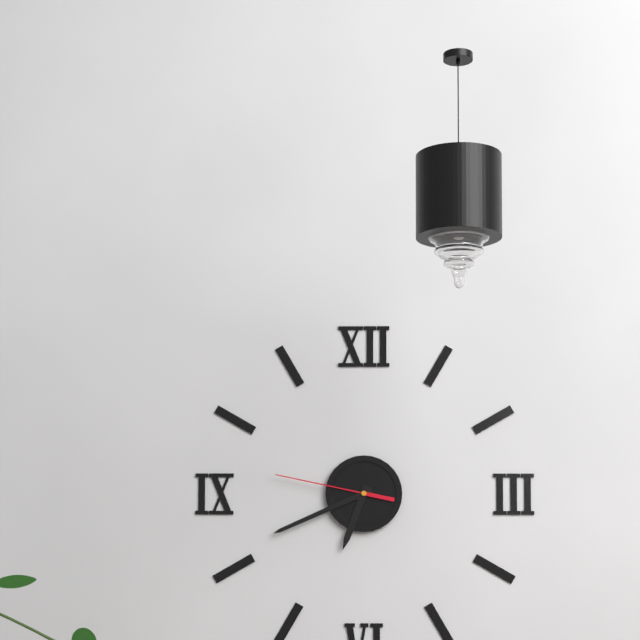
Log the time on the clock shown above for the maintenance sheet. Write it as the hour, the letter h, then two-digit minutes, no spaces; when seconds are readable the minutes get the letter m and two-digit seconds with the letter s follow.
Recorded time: 6h41m47s
